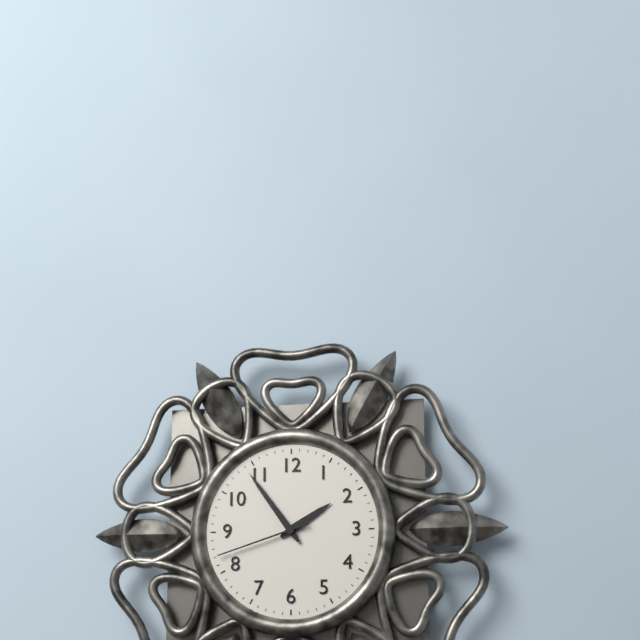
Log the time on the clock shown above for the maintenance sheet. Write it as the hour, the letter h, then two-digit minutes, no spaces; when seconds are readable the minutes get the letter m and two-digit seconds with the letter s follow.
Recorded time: 1h54m42s
